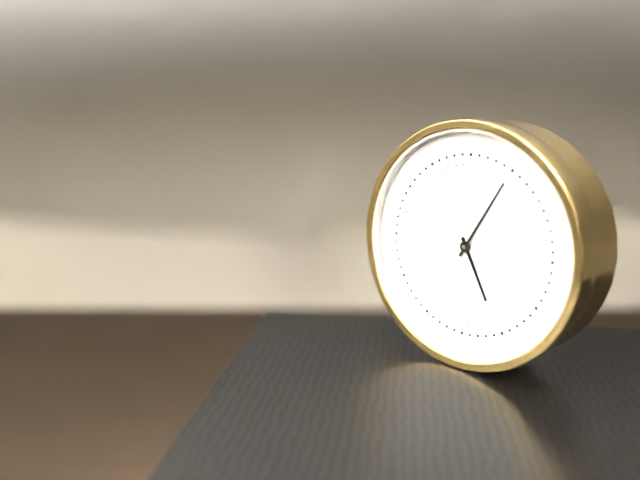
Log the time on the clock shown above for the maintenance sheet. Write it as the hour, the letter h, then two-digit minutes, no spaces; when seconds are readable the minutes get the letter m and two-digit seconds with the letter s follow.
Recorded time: 5h05
